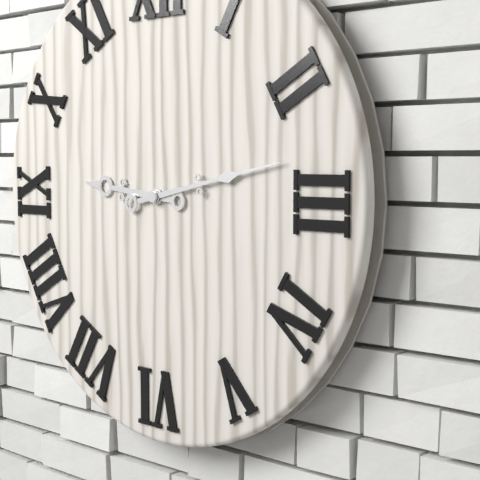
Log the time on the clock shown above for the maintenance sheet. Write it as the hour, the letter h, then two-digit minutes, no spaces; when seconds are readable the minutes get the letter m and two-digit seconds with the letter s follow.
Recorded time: 9h13
